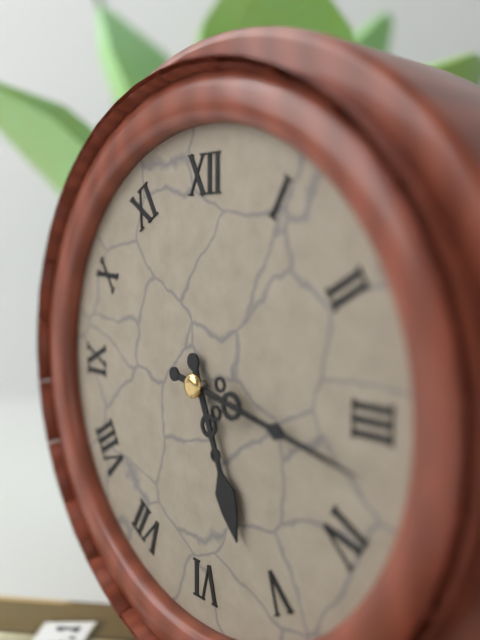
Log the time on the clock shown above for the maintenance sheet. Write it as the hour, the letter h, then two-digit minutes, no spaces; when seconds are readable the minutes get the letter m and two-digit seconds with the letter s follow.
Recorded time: 5h17
